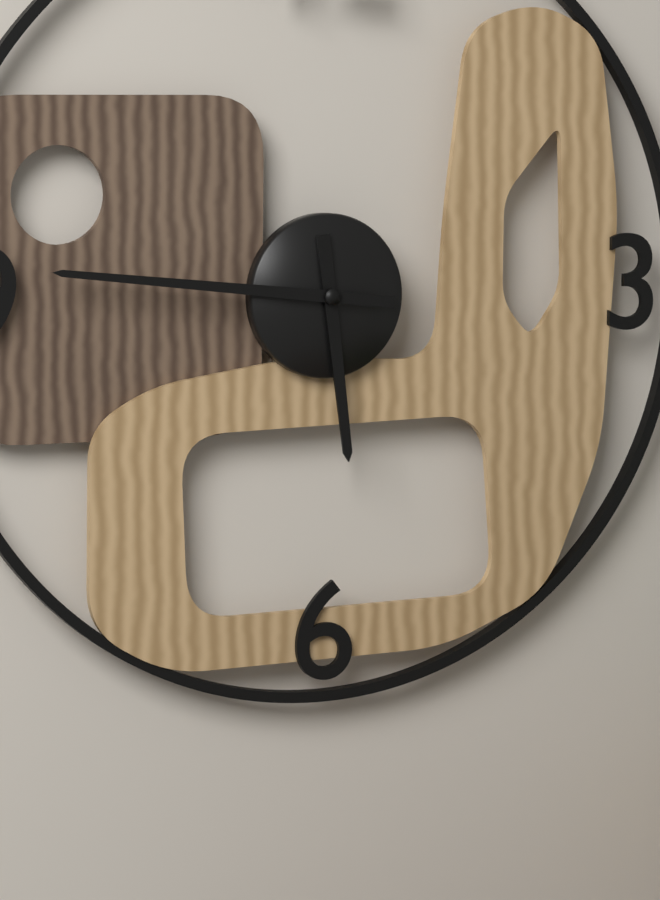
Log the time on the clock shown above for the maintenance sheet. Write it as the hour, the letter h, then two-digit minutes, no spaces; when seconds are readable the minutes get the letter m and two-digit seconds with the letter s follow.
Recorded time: 5h46
